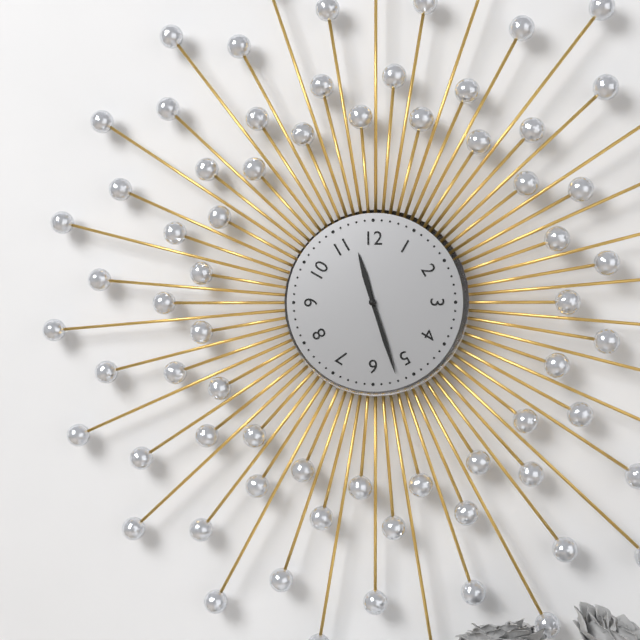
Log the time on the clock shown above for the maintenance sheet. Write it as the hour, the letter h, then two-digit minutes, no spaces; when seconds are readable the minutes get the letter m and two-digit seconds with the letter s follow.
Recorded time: 11h27
